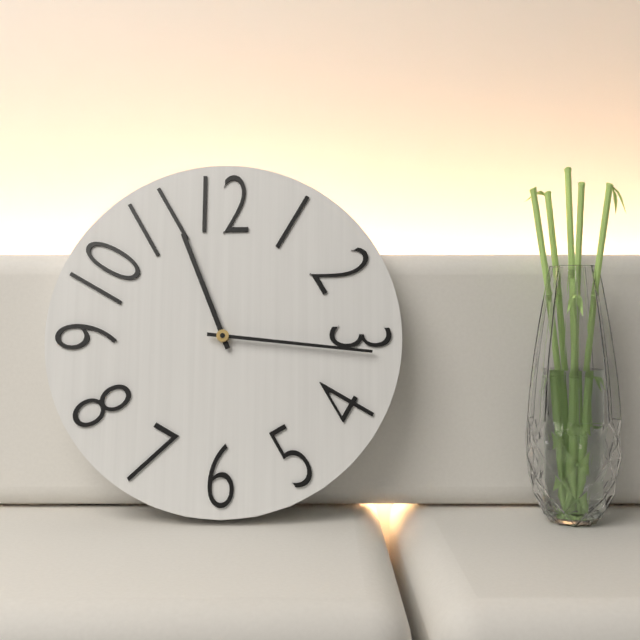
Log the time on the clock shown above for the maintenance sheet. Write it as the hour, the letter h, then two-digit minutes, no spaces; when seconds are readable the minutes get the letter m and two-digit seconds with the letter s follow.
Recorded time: 11h16
